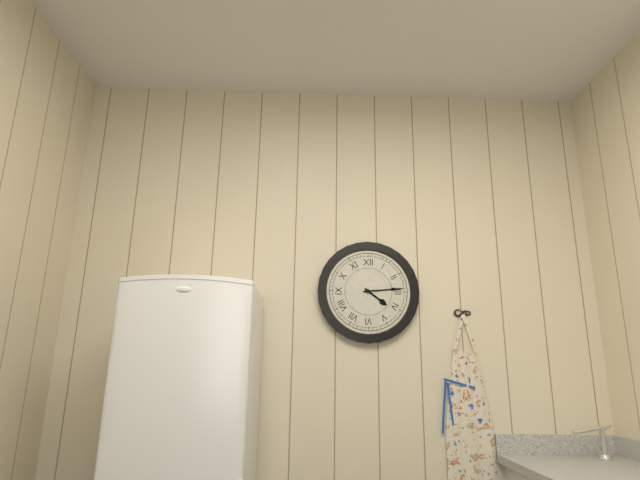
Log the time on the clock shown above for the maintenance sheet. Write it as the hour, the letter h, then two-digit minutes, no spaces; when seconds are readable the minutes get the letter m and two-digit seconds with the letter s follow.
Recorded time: 4h14
